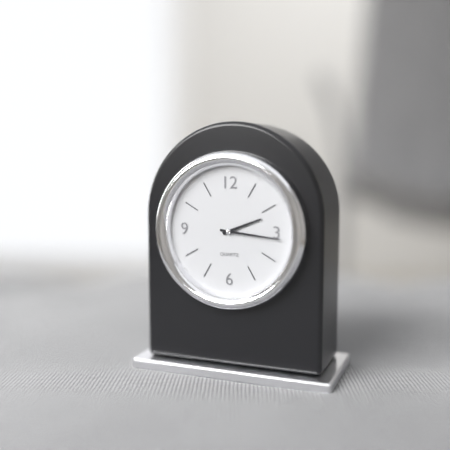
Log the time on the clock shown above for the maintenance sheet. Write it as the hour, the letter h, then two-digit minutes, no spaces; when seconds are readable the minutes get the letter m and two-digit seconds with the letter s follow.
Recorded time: 2h16
